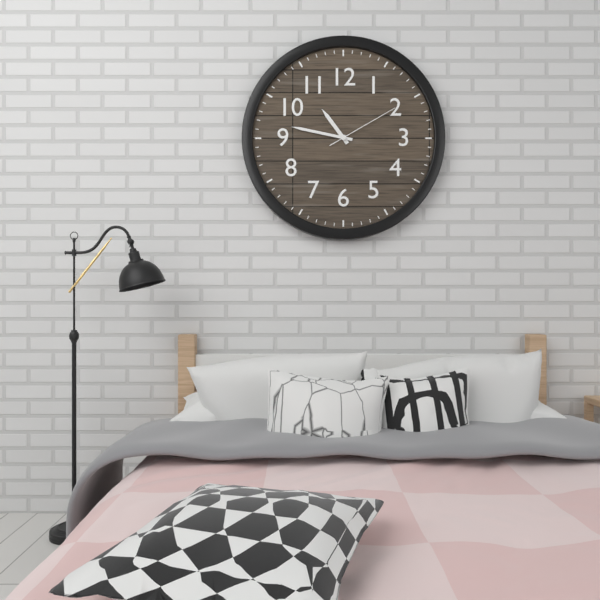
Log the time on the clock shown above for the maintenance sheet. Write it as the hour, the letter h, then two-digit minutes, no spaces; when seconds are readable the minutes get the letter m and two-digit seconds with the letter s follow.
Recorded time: 10h47m10s
